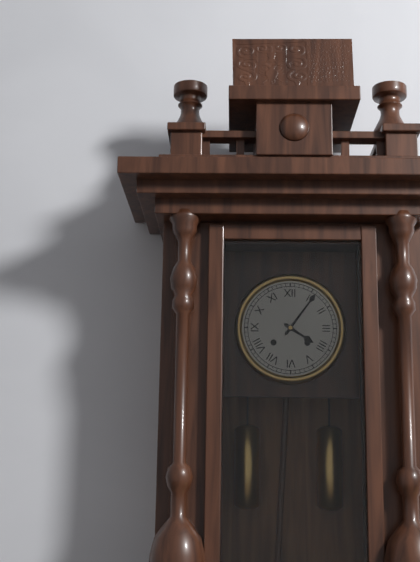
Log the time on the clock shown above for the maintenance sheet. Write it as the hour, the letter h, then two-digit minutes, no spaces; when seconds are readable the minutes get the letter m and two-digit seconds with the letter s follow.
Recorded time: 4h06
